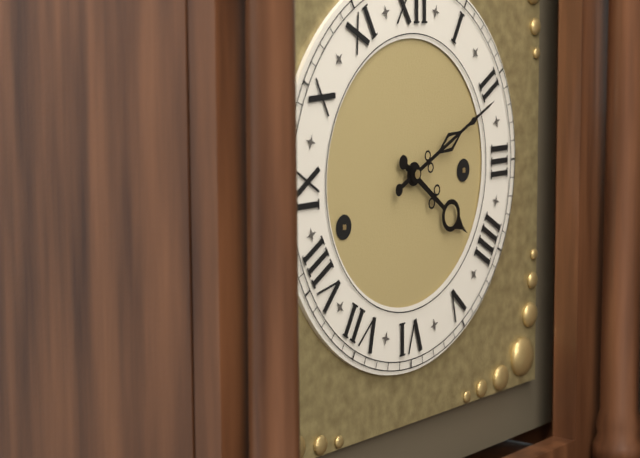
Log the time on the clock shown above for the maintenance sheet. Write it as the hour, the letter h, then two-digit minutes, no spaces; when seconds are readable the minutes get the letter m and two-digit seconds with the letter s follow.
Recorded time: 4h11
